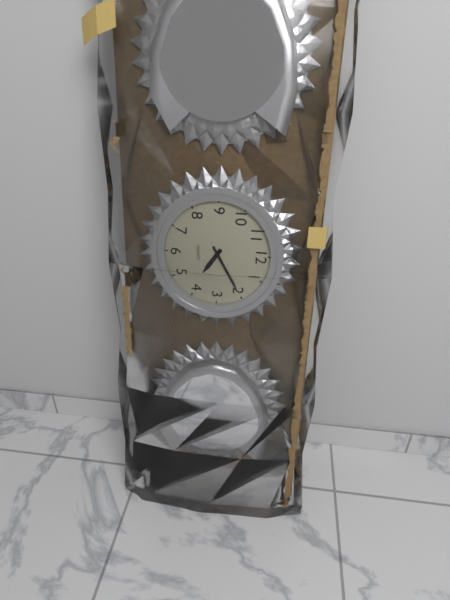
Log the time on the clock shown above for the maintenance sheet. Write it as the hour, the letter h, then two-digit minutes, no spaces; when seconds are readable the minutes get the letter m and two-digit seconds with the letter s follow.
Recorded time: 4h10
